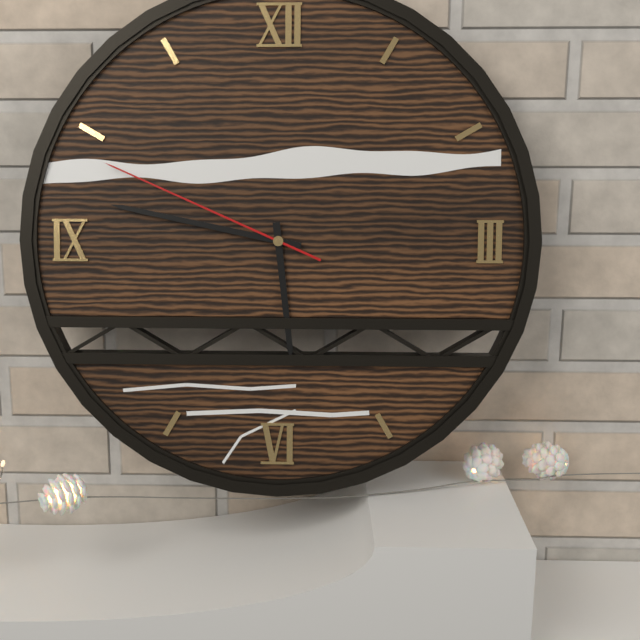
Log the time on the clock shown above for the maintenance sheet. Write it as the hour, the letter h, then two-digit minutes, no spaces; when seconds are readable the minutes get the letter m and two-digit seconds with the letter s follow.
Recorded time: 5h47m49s
